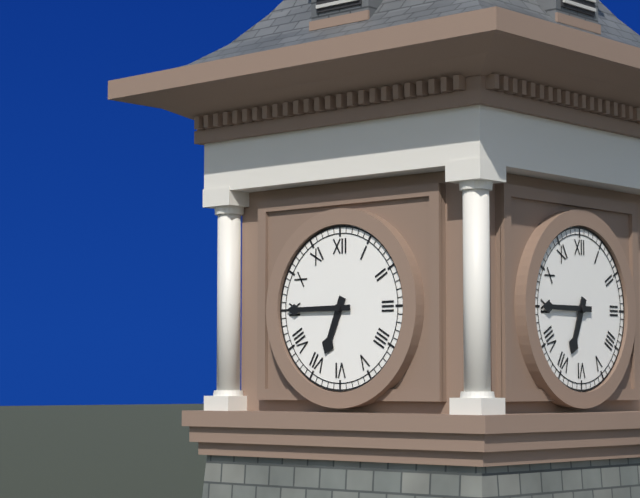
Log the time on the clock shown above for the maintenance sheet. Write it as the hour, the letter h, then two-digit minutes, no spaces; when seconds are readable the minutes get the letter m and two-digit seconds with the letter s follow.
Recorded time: 6h45
